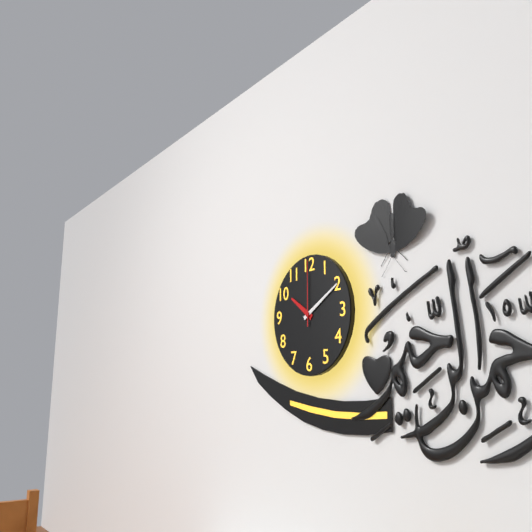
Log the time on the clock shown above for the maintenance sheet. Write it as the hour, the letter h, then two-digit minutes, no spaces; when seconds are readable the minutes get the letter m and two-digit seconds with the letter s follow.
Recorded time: 10h10m00s
